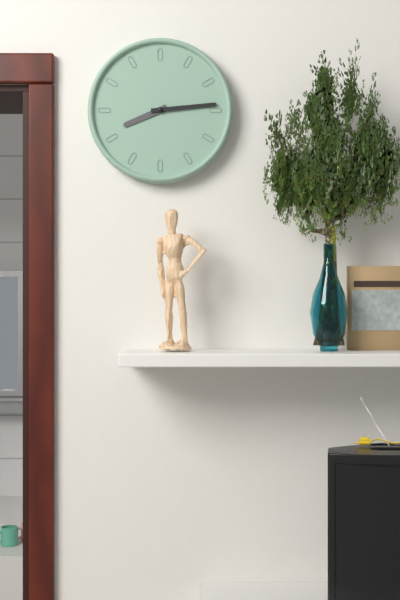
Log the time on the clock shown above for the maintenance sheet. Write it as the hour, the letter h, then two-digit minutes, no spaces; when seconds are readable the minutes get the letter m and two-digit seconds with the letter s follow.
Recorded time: 8h14
